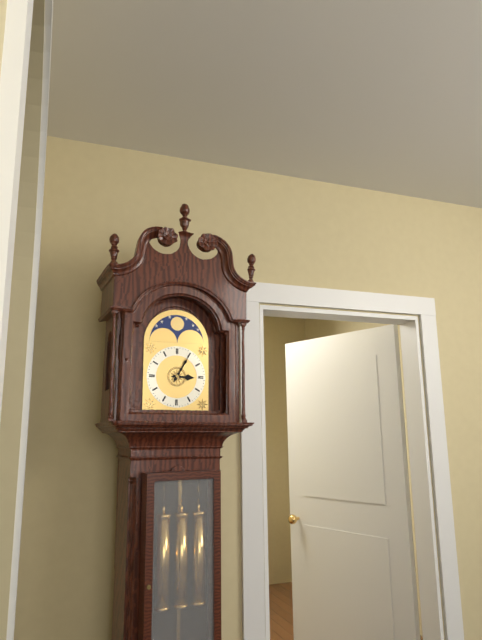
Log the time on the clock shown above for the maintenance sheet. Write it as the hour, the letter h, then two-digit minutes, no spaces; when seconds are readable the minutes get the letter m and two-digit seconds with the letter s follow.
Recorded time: 3h05
